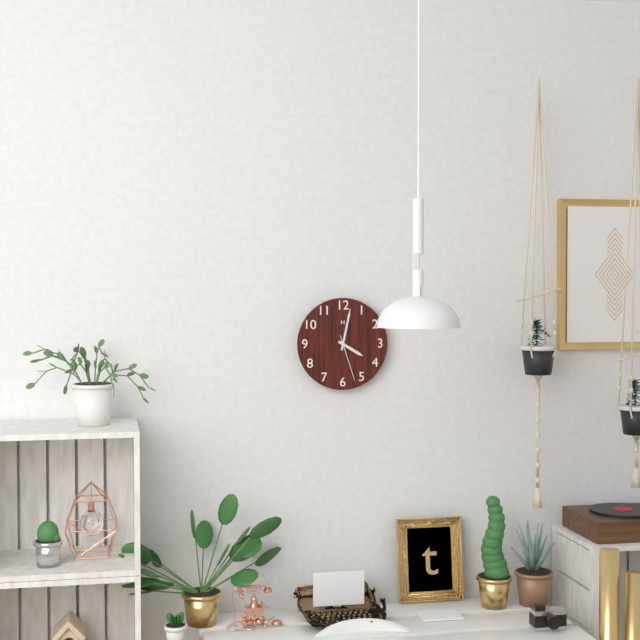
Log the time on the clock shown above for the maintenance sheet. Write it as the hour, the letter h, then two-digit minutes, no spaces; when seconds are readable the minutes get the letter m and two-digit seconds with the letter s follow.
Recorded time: 4h02m27s
